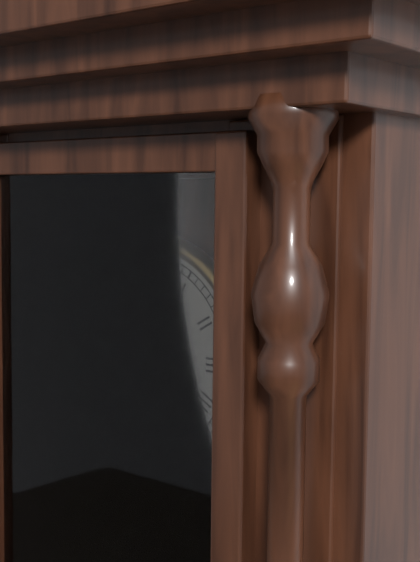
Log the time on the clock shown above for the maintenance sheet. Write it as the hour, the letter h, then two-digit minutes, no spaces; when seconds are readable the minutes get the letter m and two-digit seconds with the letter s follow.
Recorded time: 3h58
